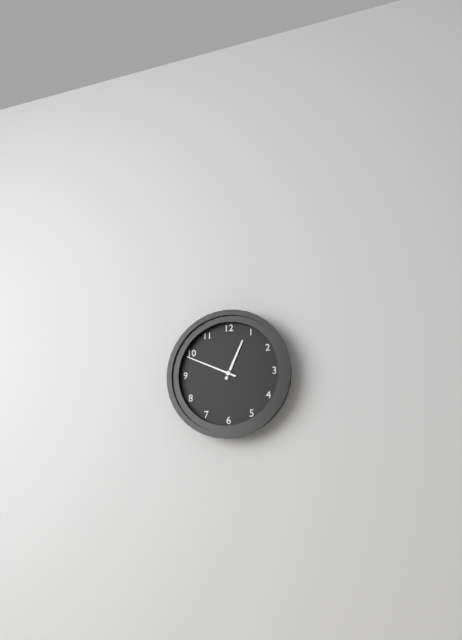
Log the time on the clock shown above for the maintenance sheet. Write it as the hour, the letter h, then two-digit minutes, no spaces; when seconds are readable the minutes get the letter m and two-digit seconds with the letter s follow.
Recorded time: 12h49
